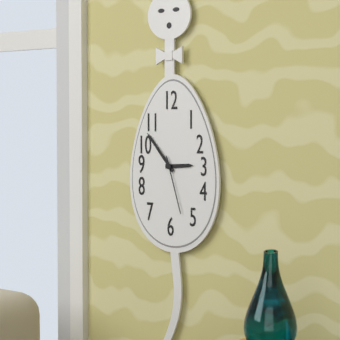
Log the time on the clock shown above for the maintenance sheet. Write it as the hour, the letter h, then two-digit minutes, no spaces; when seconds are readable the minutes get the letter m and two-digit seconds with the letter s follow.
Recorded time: 2h53m27s
